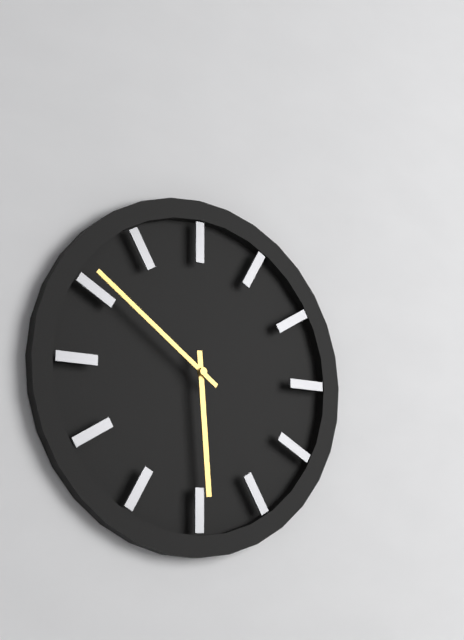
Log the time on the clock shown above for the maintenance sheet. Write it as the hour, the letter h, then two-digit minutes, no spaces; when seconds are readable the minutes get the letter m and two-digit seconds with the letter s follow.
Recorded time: 5h51
